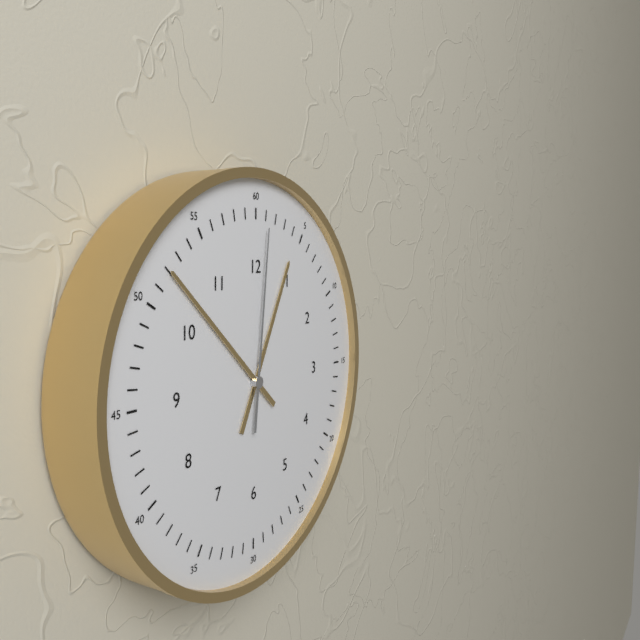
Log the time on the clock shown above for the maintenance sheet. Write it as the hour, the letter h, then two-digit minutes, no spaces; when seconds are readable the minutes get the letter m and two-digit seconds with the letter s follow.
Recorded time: 12h52m01s
